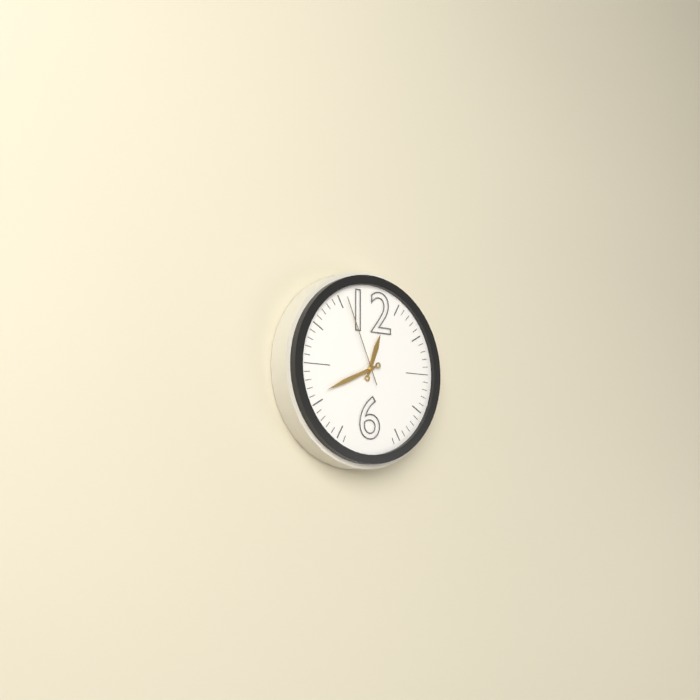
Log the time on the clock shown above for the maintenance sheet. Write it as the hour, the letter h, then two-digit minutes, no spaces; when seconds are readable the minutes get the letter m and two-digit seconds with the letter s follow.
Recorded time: 12h41m56s
